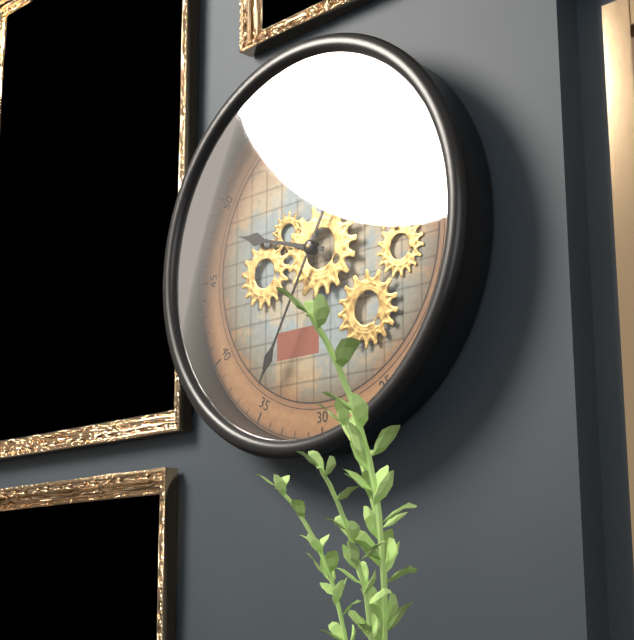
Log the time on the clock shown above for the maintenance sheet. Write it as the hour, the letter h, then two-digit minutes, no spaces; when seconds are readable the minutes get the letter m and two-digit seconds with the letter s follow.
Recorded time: 9h35
